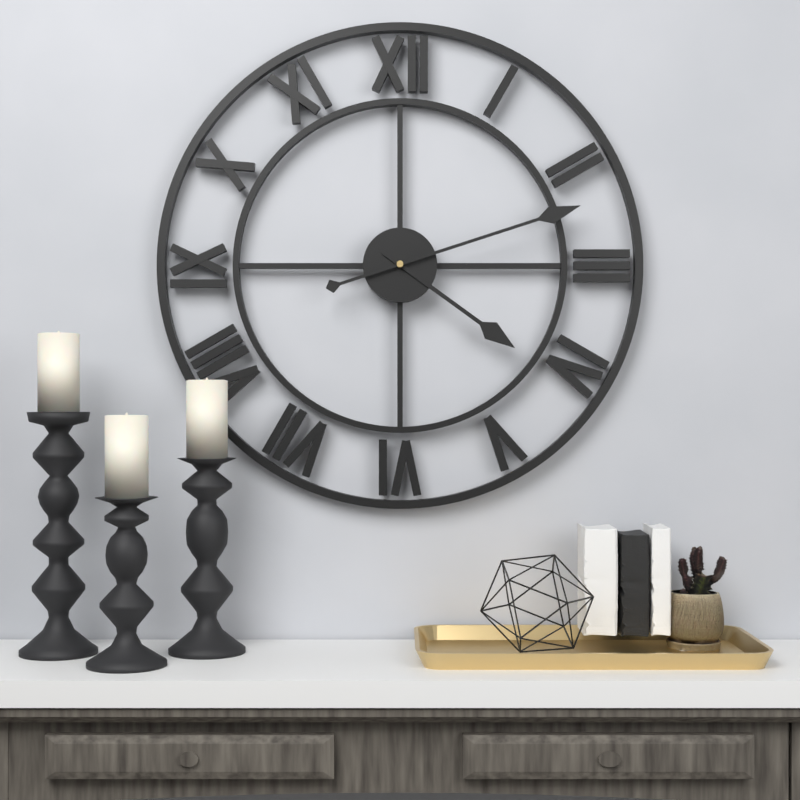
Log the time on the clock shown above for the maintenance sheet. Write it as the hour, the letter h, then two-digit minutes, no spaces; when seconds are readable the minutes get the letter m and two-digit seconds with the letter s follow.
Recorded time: 4h12
